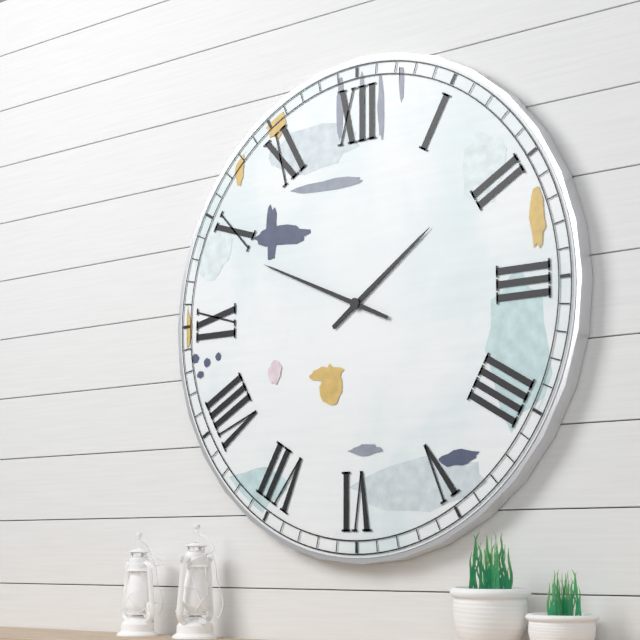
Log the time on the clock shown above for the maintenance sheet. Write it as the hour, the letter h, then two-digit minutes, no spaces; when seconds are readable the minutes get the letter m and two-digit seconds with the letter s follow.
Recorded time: 1h49
